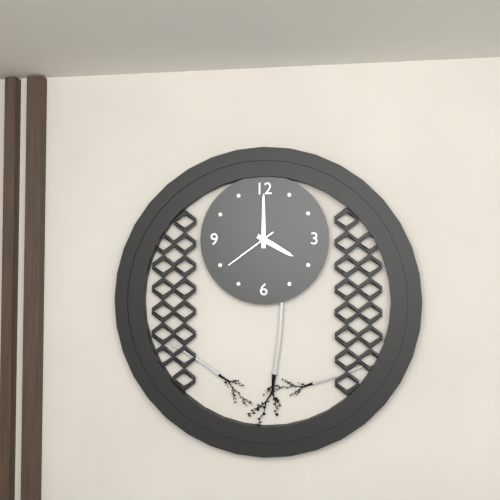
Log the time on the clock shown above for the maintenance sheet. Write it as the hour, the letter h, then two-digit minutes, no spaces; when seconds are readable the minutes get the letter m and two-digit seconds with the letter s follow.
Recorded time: 4h00m39s
